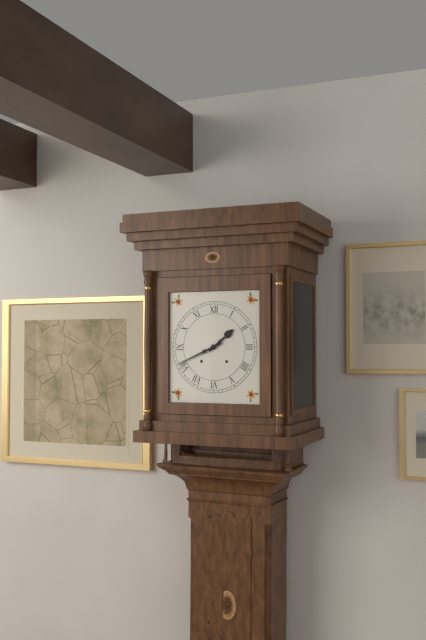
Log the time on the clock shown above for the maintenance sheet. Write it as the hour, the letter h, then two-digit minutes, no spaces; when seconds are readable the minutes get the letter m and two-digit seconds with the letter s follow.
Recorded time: 1h41
